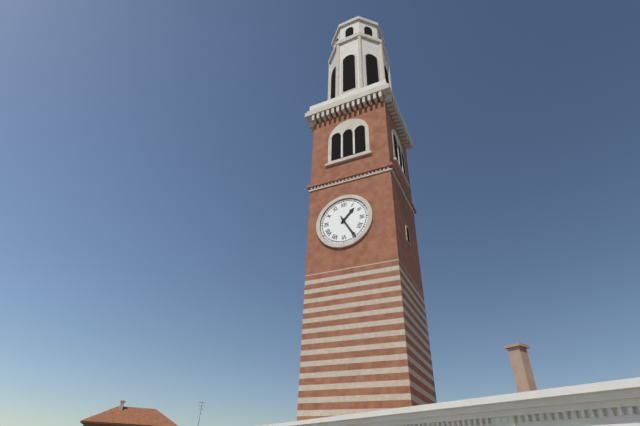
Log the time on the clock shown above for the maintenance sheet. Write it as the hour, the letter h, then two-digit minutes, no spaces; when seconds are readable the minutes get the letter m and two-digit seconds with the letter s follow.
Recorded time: 1h25
